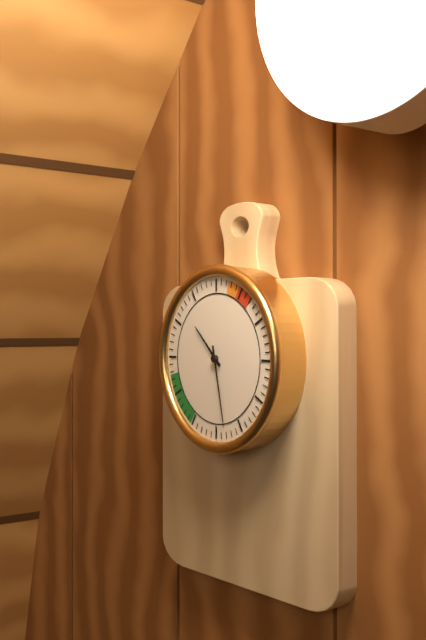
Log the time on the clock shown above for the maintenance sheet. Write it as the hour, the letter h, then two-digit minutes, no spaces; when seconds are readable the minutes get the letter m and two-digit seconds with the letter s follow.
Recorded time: 10h28
